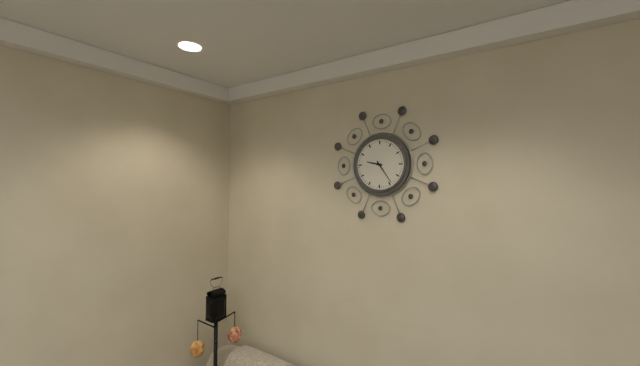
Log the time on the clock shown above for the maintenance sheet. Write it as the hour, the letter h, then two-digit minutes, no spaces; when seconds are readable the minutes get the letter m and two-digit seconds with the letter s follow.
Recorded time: 9h24
